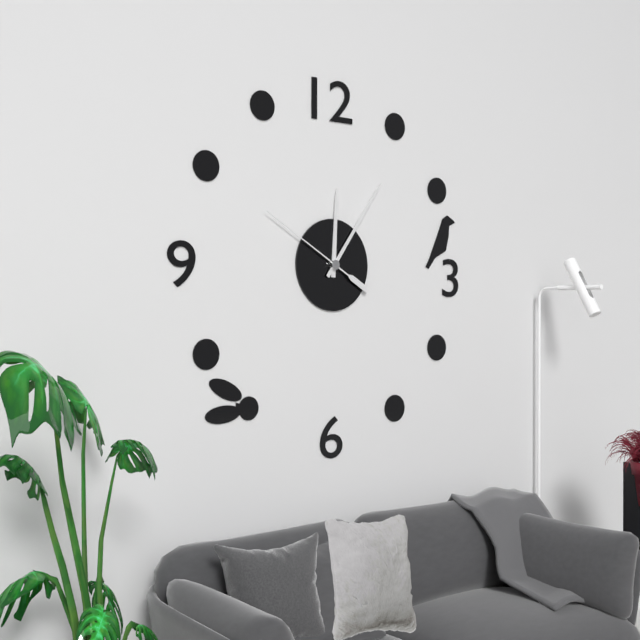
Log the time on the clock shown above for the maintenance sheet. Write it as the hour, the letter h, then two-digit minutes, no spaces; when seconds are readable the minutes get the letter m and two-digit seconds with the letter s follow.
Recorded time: 12h06m50s
